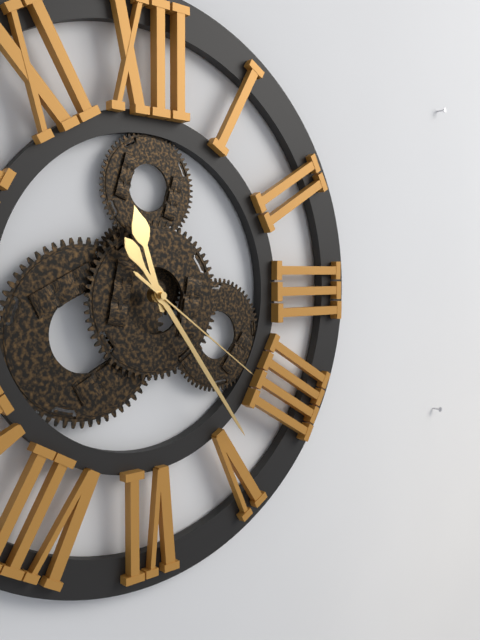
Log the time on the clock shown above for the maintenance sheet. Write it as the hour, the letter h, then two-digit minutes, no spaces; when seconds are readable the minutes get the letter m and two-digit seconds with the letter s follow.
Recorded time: 11h24m21s
